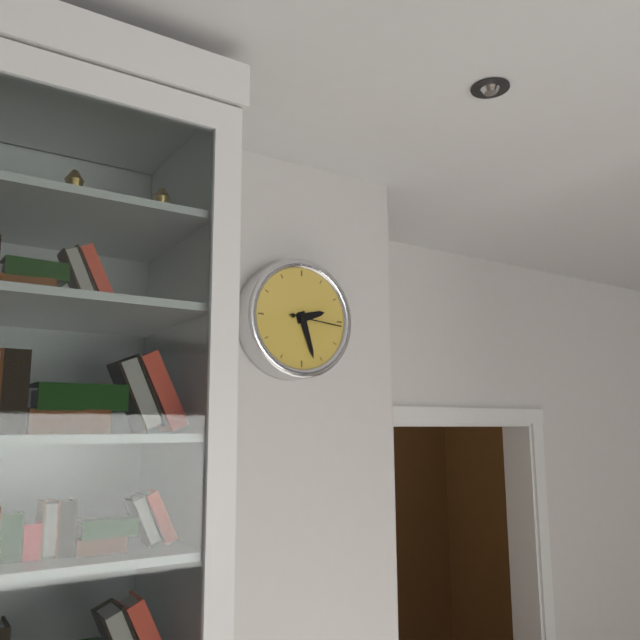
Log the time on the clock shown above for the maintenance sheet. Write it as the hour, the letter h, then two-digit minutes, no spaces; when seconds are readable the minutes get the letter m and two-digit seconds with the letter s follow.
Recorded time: 2h27m16s
